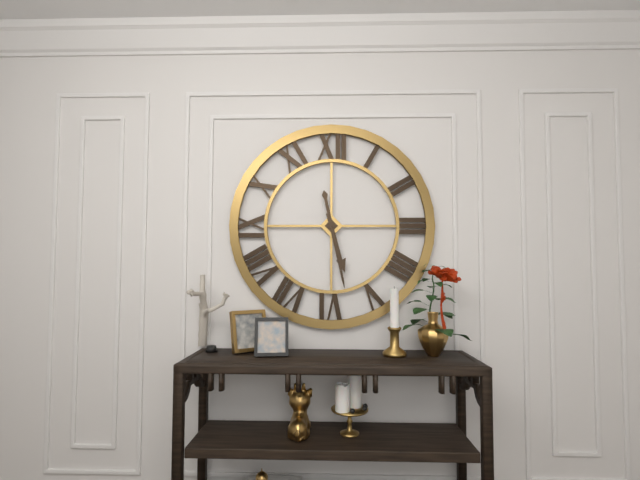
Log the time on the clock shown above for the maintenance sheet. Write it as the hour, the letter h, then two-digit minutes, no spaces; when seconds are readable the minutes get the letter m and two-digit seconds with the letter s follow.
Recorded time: 5h28
